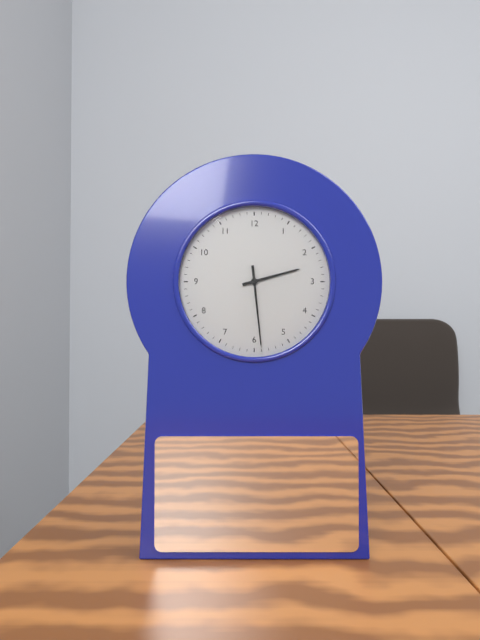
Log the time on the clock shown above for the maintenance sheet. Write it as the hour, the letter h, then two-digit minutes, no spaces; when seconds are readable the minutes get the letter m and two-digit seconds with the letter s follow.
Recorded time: 2h29
